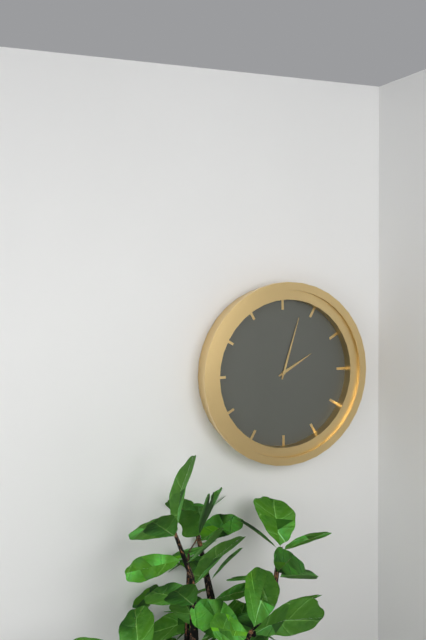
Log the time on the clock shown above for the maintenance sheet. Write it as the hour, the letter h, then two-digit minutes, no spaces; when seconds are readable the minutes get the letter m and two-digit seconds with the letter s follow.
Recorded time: 2h03
